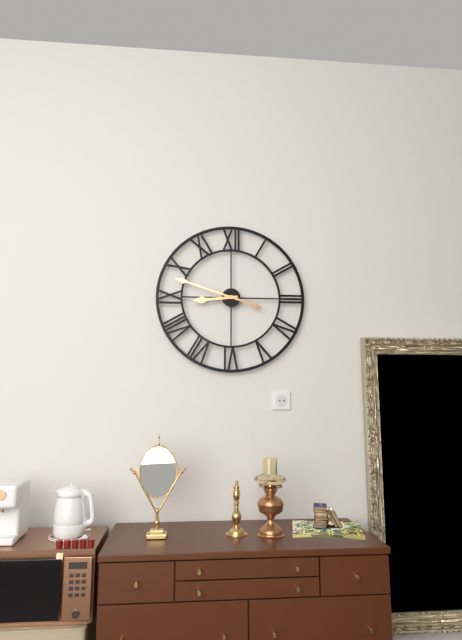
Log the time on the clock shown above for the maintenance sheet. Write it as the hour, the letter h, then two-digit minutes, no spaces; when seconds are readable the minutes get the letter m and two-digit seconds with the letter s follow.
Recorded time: 8h48
